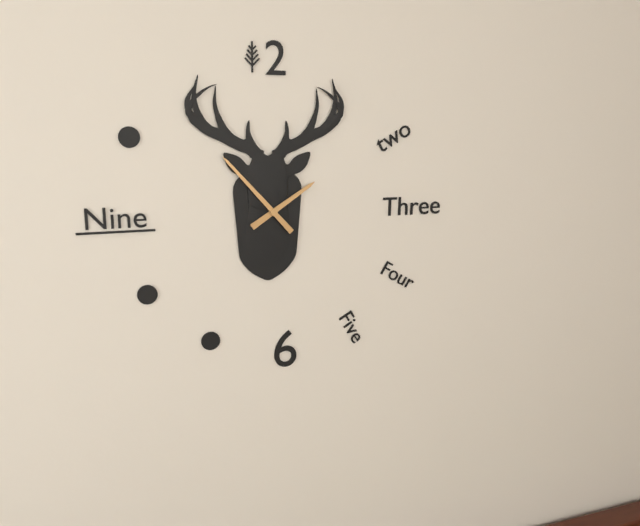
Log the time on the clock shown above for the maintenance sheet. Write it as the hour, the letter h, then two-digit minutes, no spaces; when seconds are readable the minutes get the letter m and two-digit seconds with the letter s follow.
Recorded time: 1h53
